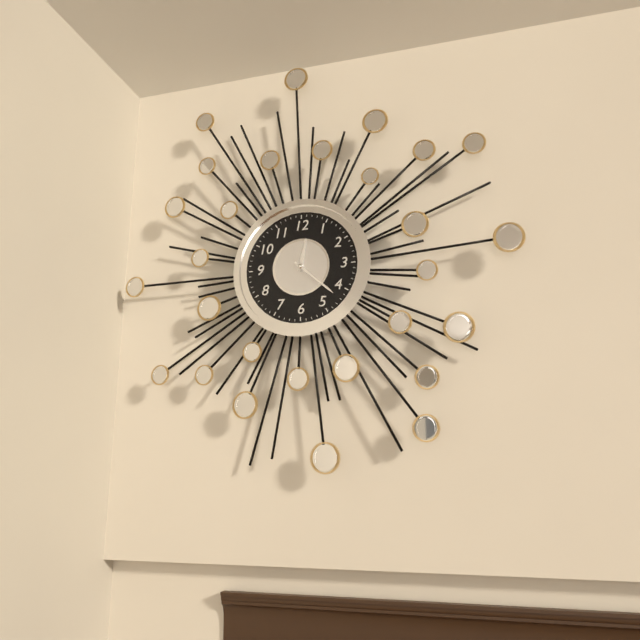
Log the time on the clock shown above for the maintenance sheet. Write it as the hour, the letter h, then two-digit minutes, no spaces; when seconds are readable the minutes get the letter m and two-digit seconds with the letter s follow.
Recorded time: 12h22
